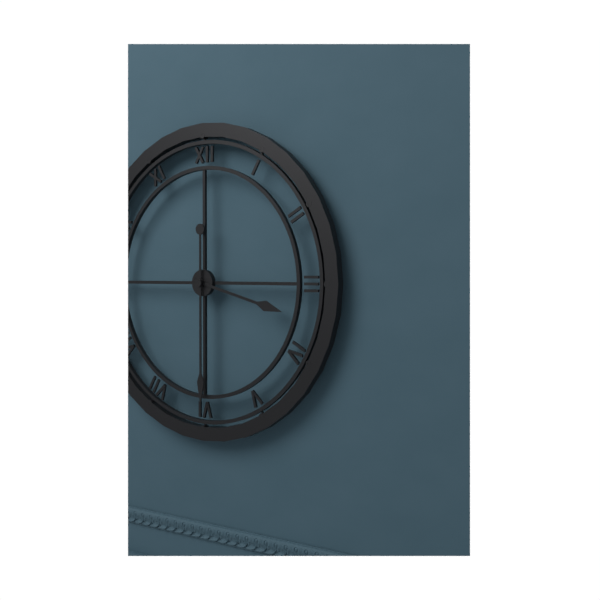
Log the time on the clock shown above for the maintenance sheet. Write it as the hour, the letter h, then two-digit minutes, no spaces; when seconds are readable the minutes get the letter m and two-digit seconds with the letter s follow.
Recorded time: 3h30
